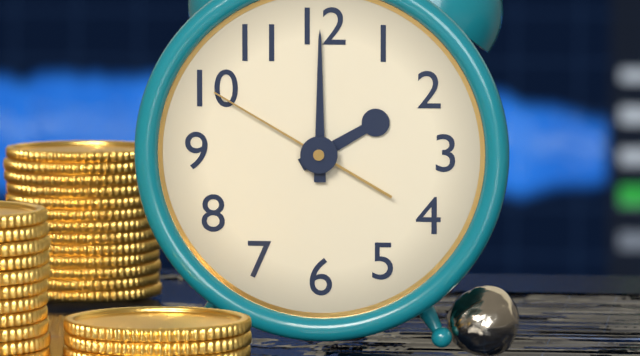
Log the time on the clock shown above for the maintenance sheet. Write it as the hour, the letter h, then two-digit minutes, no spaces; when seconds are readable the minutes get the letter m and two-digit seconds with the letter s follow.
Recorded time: 2h00m50s
